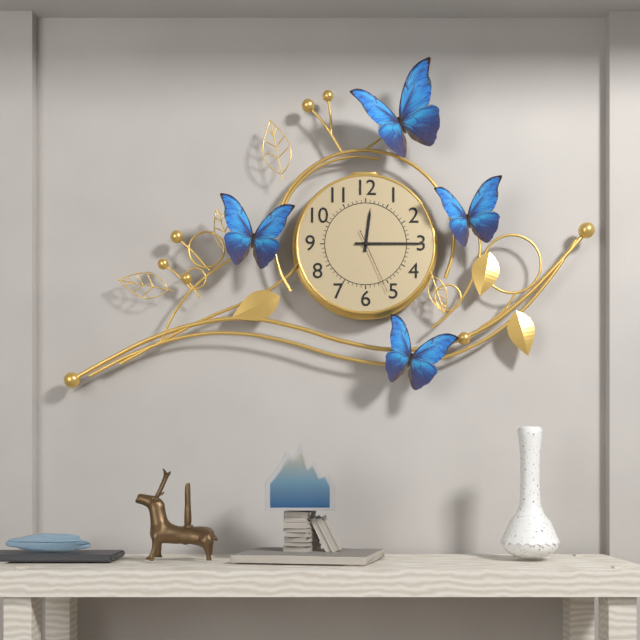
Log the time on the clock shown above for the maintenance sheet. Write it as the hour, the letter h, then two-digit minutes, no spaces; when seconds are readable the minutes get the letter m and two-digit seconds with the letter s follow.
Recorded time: 12h15m26s
